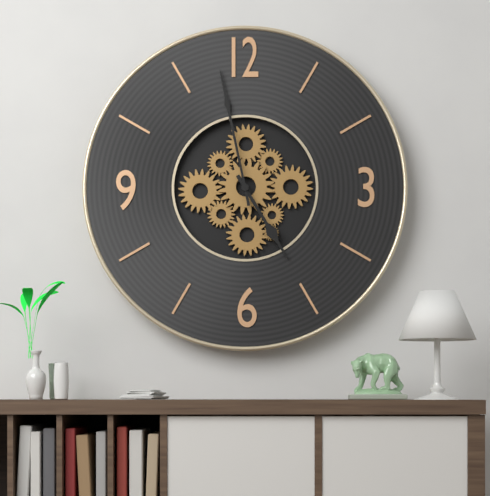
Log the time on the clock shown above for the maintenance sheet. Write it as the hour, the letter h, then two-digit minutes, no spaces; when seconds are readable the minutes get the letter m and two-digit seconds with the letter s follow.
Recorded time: 4h58
